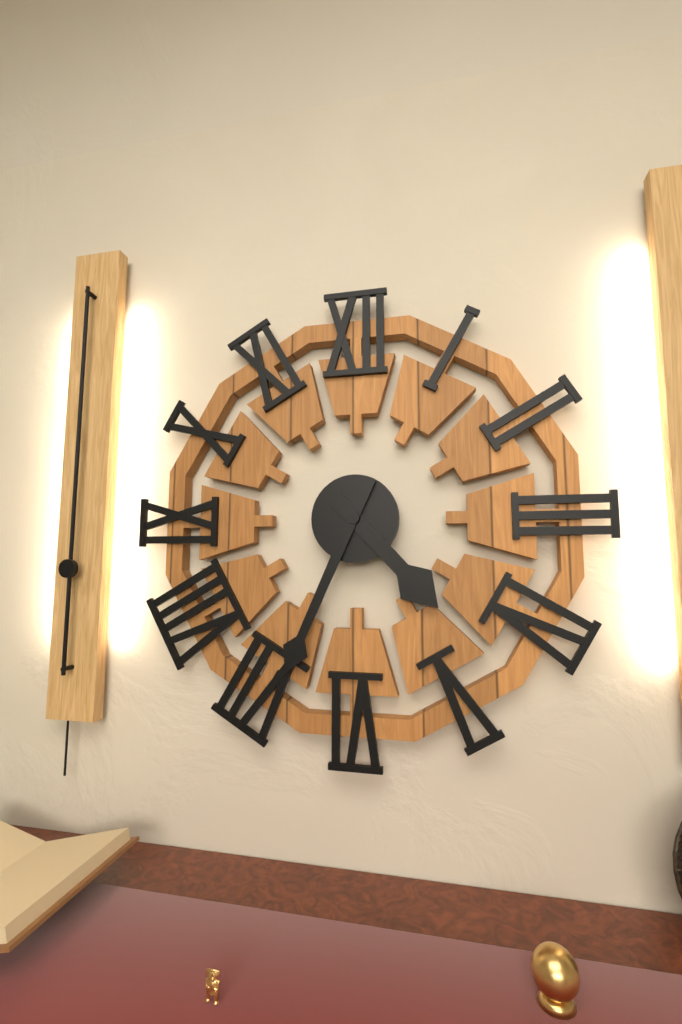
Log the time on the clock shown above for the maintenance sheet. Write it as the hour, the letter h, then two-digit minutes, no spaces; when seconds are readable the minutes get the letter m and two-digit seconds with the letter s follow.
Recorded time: 4h34
